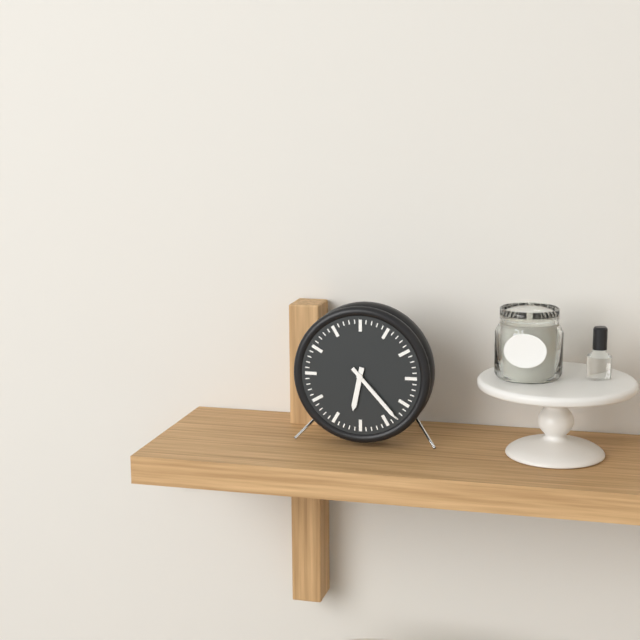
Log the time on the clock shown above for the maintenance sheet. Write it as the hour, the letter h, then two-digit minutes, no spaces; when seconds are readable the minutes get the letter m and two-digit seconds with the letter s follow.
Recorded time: 6h23
